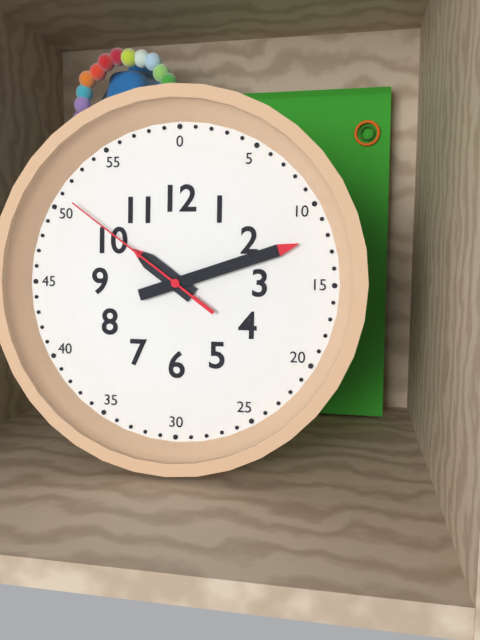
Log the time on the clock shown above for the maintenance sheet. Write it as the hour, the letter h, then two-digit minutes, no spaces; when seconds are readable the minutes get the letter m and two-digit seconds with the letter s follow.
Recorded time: 10h12m51s
